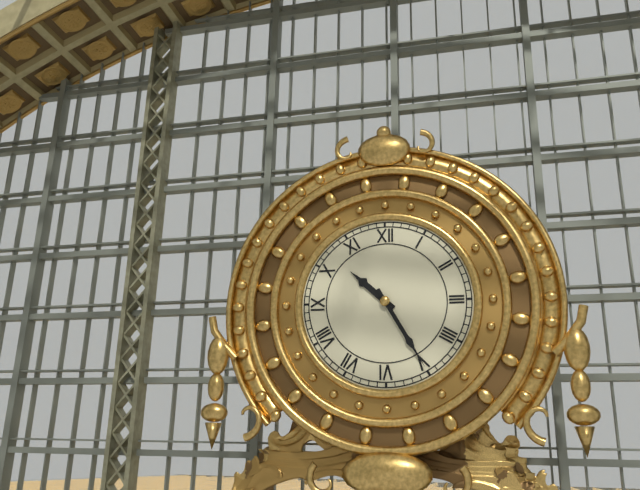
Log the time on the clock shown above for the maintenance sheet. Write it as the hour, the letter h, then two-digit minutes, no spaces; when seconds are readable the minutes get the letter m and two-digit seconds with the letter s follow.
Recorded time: 10h25
